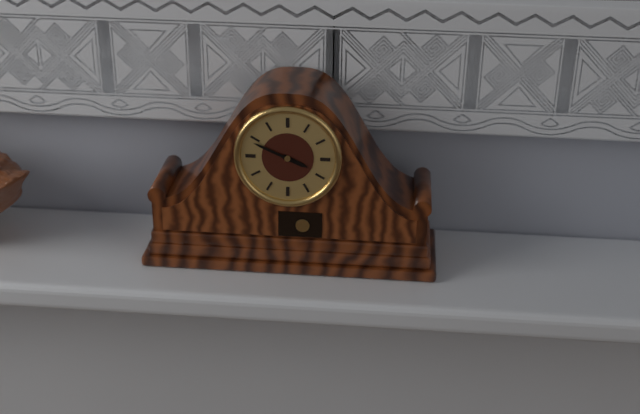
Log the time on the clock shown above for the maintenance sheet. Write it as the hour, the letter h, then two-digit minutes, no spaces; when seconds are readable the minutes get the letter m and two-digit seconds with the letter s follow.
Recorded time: 3h49
